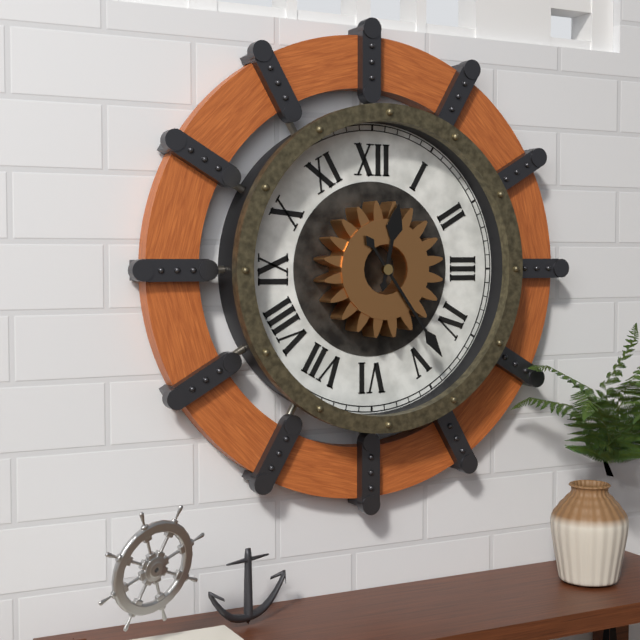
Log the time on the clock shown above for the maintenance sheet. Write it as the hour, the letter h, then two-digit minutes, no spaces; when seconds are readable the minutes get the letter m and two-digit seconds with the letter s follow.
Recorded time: 12h24
